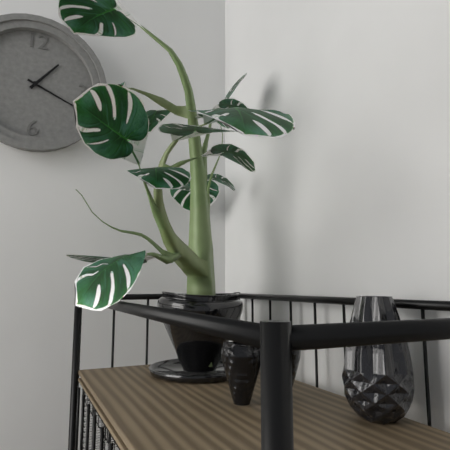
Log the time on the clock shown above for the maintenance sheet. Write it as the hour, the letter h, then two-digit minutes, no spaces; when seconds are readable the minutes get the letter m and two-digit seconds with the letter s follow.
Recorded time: 1h19
